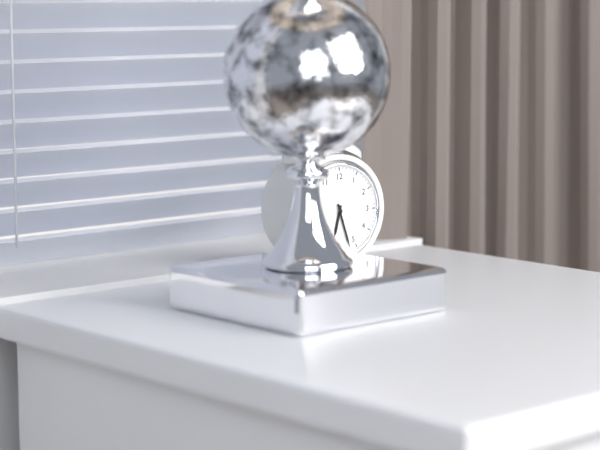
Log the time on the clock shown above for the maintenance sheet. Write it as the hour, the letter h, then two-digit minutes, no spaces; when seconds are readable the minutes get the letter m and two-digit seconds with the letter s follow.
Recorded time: 6h27
